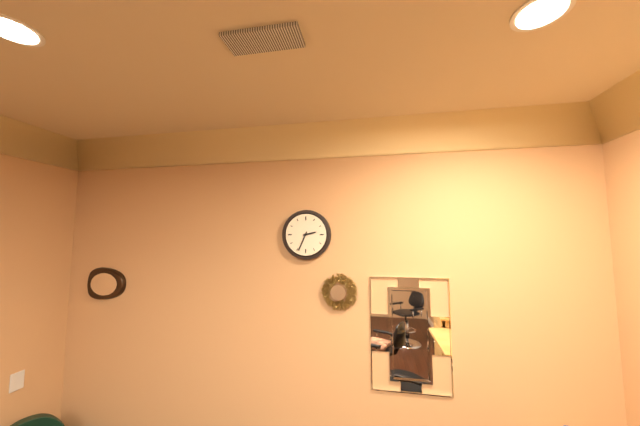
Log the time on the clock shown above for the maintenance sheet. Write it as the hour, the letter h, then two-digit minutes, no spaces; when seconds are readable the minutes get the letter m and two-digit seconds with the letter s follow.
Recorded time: 2h34
